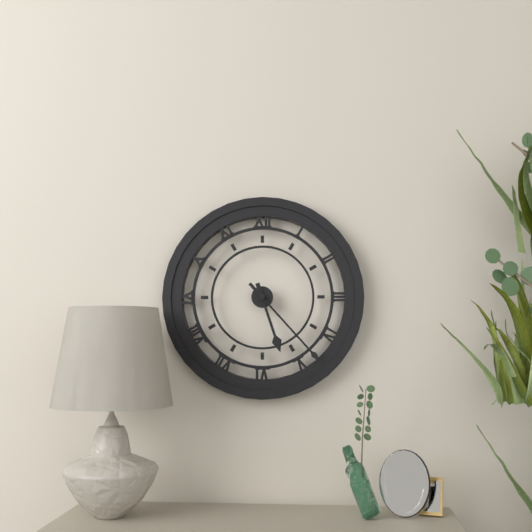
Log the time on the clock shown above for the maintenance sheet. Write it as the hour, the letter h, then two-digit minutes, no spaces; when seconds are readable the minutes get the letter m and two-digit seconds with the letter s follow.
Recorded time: 5h23
